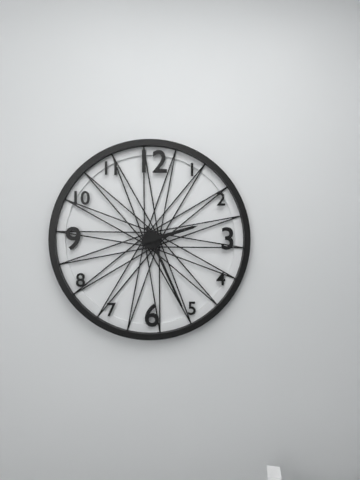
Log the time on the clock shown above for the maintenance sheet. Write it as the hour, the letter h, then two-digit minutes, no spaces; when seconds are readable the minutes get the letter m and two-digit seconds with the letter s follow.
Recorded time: 2h26
